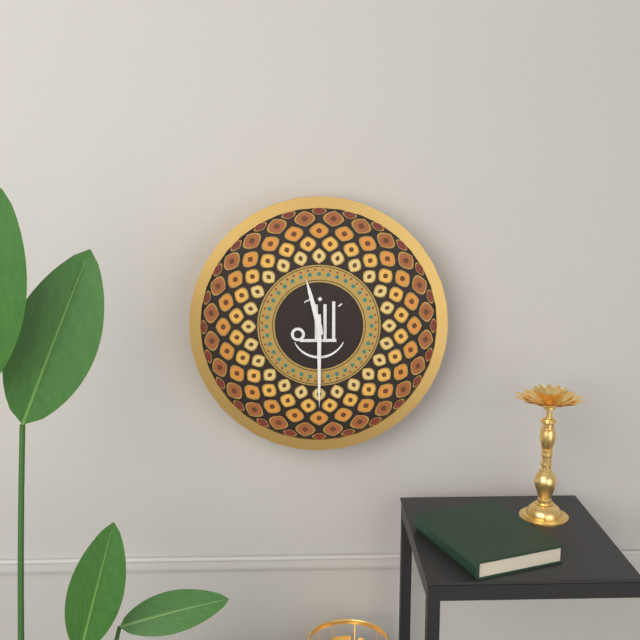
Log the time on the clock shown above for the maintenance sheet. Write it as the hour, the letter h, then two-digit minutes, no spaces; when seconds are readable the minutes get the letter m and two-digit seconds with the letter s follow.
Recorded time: 11h30
